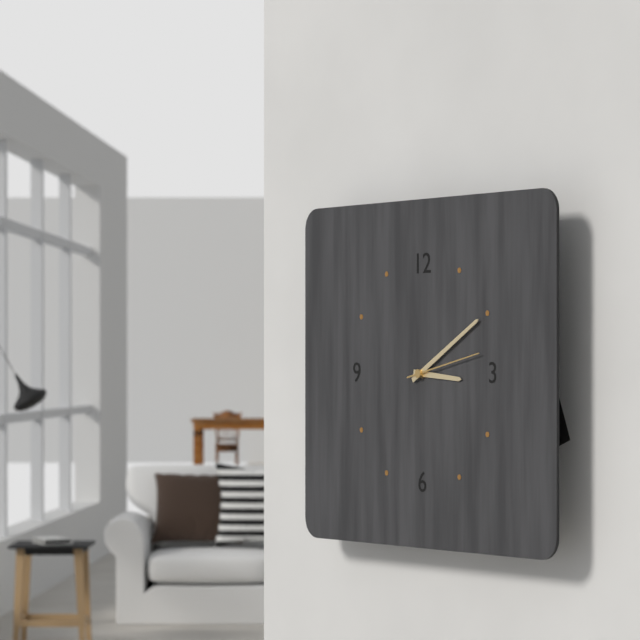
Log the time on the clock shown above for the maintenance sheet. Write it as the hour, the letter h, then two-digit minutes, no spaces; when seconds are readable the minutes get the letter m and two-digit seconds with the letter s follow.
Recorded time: 3h10
